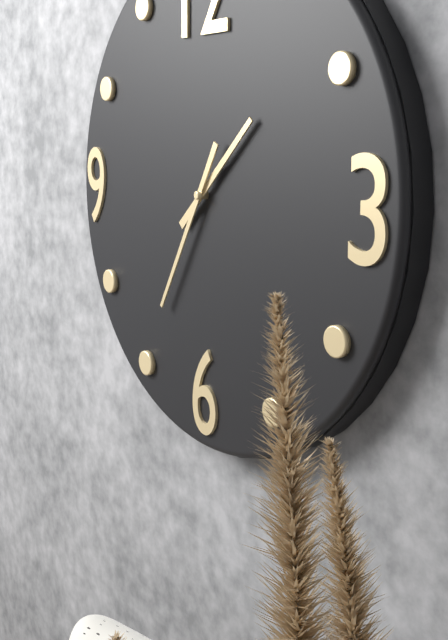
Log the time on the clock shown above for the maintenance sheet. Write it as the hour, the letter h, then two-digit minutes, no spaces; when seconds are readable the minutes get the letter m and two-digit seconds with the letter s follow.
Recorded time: 1h35
